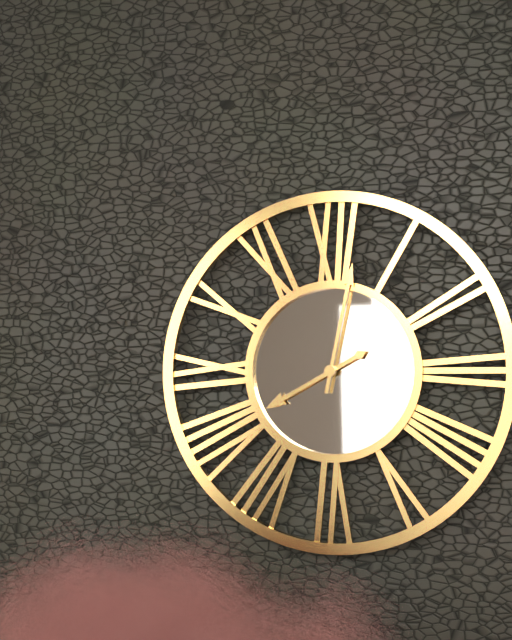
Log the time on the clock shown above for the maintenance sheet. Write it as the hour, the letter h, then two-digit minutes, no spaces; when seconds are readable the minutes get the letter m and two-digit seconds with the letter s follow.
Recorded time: 8h02
